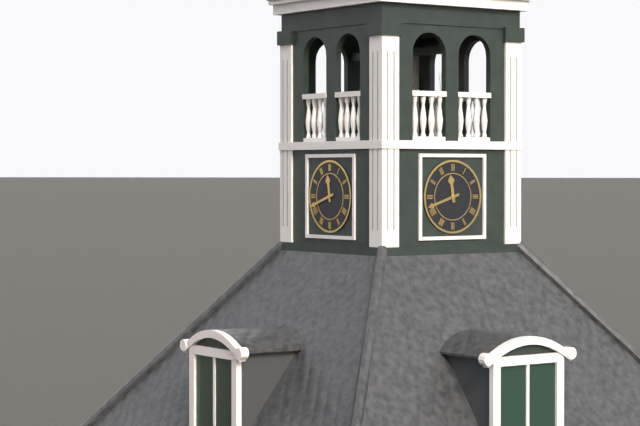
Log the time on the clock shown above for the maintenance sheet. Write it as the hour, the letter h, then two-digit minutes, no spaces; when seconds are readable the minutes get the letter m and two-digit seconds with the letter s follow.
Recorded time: 11h42
